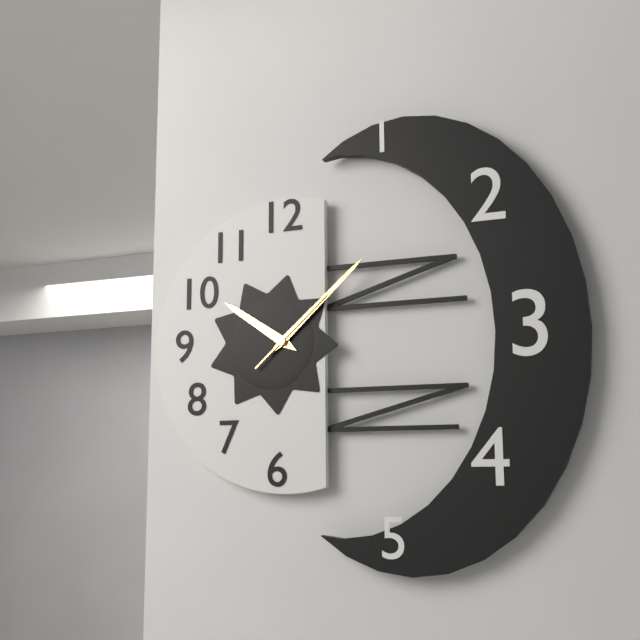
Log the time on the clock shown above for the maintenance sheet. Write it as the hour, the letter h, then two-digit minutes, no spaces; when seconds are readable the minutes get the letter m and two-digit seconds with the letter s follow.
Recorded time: 10h08m08s
